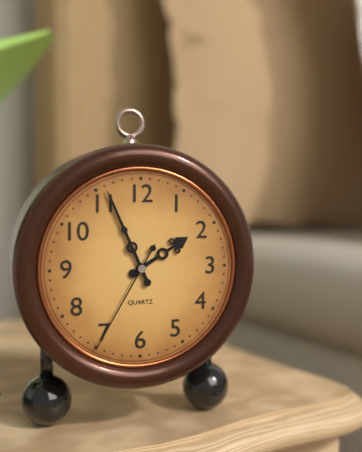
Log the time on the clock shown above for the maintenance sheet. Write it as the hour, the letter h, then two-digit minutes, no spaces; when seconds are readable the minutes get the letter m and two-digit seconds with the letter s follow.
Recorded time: 1h56m35s
